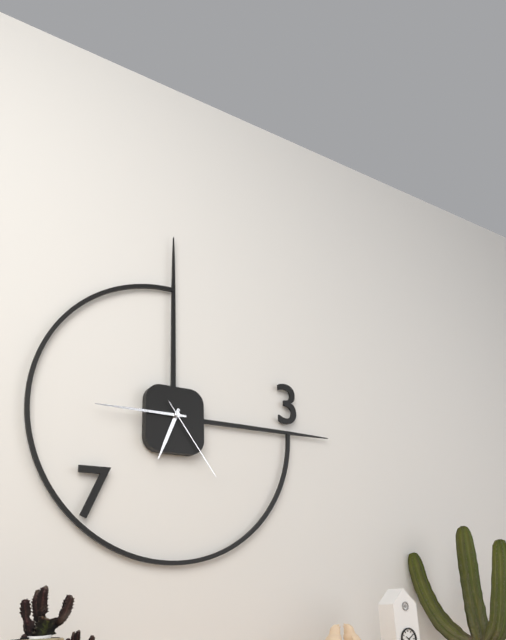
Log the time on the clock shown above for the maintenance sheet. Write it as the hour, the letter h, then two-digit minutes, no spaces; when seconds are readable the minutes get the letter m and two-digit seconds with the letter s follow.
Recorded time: 6h45m24s
